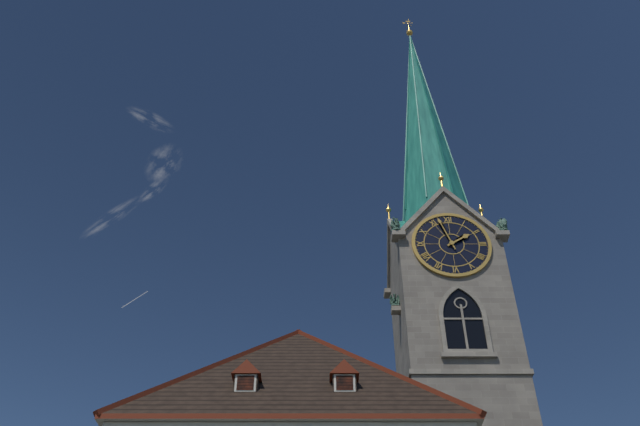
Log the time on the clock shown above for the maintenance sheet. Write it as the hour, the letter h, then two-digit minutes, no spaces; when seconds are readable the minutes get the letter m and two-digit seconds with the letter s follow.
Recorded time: 1h57
